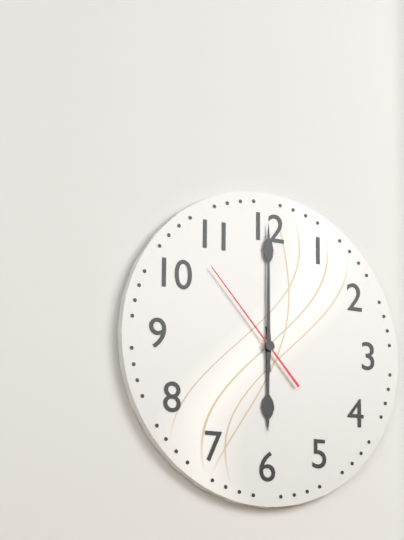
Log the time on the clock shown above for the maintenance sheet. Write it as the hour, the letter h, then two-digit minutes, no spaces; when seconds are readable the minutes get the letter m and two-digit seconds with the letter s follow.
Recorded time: 6h00m53s
